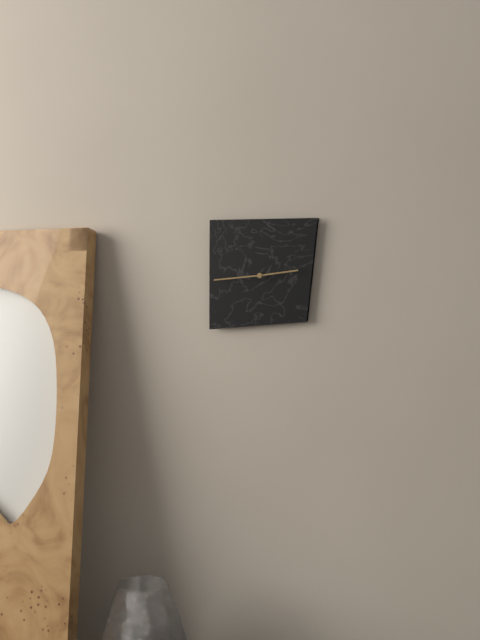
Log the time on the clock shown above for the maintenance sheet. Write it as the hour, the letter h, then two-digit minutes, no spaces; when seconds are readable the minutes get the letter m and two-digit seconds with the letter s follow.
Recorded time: 2h44
